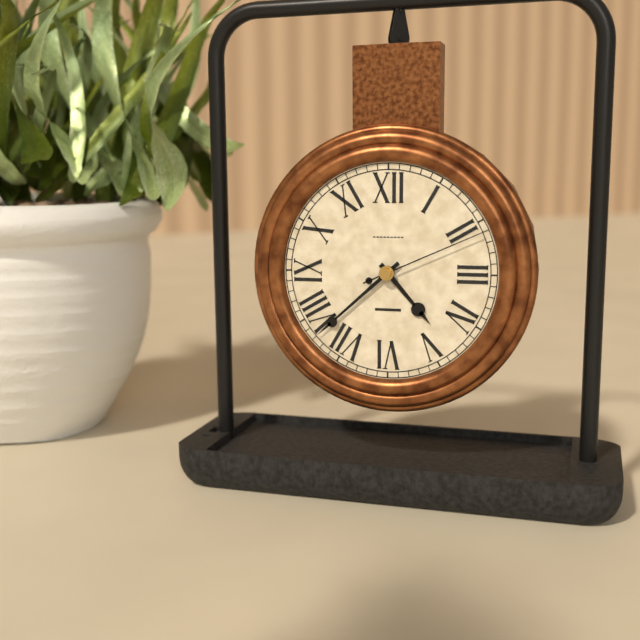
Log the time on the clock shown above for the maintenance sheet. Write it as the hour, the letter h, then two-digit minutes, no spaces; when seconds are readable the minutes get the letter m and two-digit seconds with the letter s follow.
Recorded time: 4h38m11s
